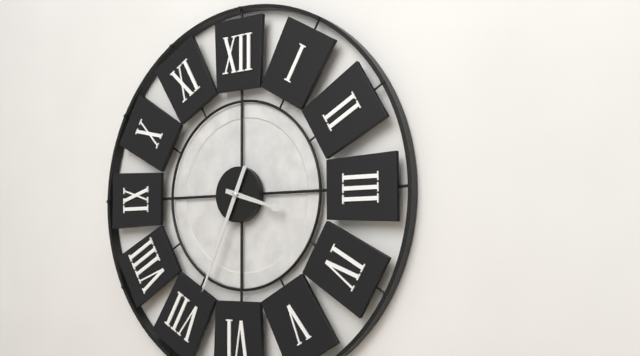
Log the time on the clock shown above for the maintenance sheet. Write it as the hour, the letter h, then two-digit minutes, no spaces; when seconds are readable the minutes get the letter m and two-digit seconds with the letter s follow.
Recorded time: 3h34
